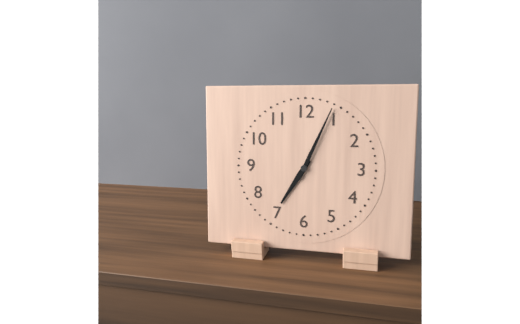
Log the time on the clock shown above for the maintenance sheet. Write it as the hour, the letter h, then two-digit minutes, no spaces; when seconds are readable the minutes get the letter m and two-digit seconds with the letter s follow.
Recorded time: 7h04
